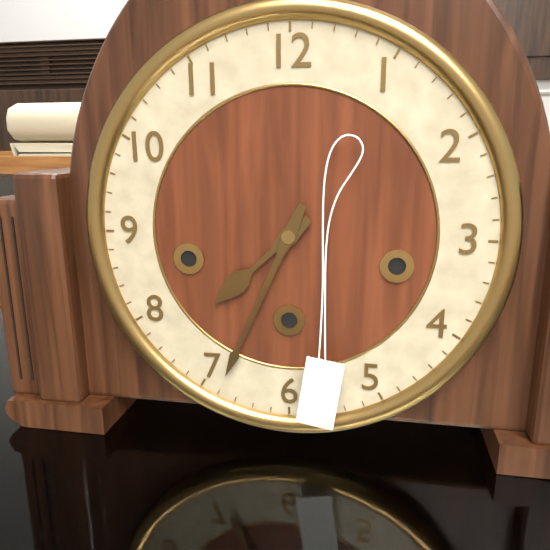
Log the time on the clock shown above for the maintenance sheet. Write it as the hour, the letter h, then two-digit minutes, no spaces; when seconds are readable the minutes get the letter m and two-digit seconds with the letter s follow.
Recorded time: 7h34
